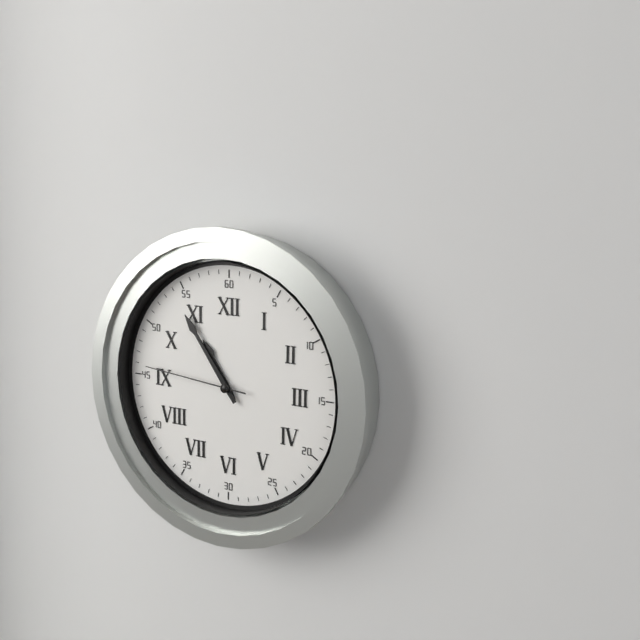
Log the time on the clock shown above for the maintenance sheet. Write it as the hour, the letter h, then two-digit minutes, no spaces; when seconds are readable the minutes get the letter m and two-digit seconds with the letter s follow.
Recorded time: 10h54m46s
